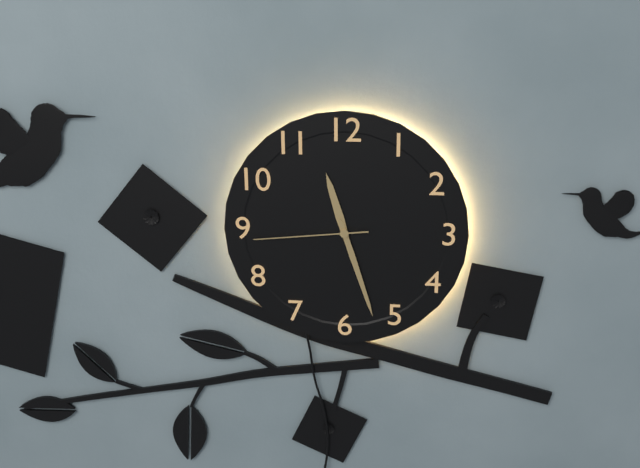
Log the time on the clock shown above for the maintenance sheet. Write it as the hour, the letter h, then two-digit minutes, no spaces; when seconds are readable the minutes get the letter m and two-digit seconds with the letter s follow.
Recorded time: 11h27m44s
